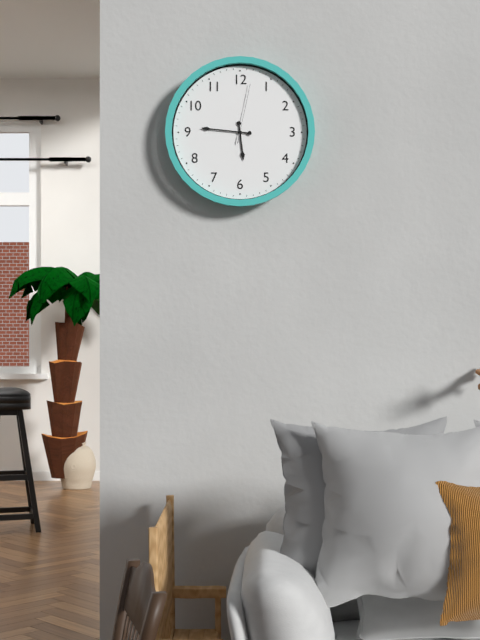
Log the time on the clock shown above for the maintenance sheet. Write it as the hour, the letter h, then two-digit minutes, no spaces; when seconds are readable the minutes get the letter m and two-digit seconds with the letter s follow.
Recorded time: 5h46m02s
